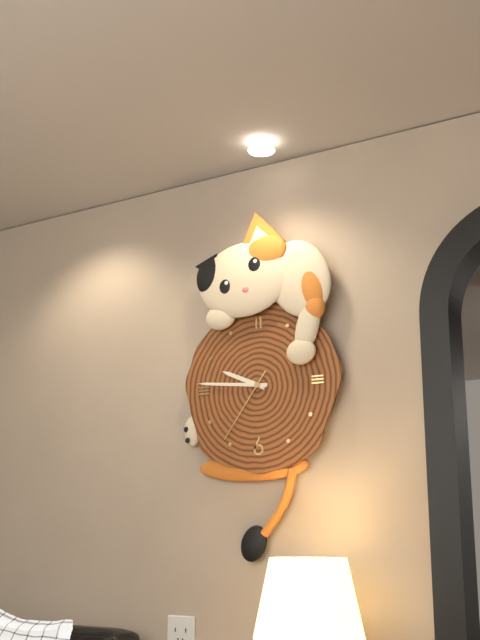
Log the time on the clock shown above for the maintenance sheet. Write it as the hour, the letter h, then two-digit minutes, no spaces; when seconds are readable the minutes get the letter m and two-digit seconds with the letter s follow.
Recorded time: 9h46m36s
